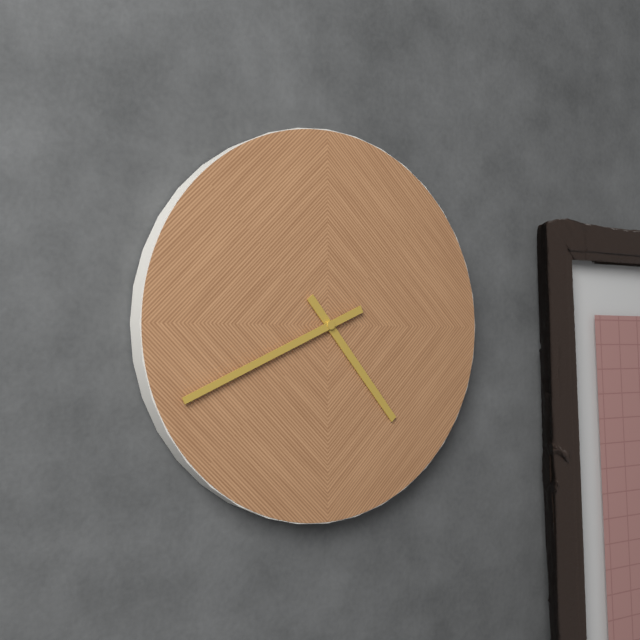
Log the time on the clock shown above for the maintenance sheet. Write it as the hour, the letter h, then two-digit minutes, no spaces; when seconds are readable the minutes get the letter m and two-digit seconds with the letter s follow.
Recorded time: 4h41
